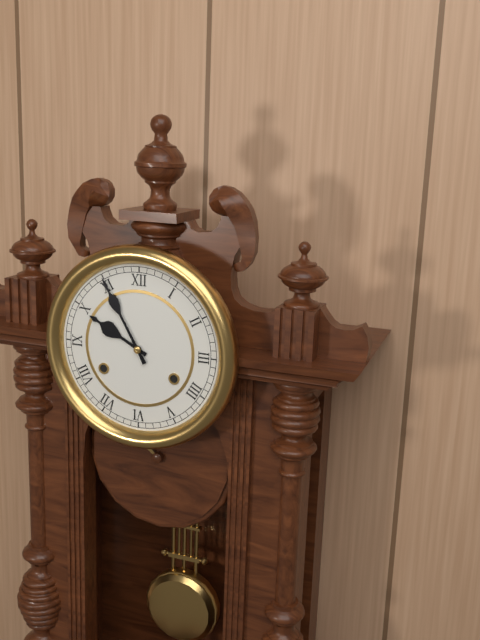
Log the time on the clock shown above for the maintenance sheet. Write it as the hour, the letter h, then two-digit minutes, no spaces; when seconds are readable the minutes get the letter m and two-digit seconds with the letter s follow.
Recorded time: 9h55
